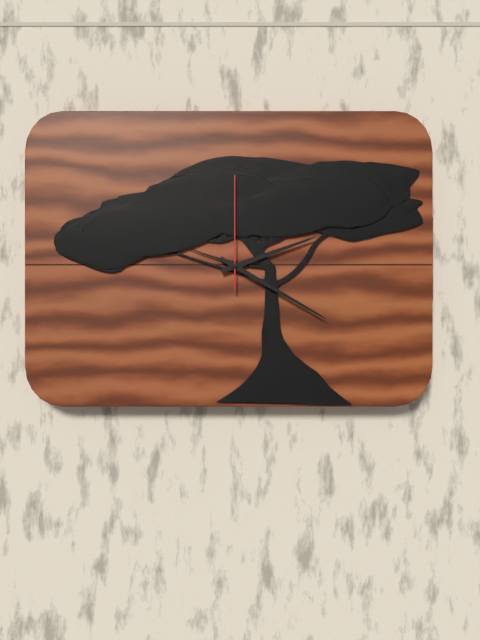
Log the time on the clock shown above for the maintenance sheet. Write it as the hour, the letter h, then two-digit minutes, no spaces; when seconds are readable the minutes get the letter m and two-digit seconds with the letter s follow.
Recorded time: 2h20m00s
